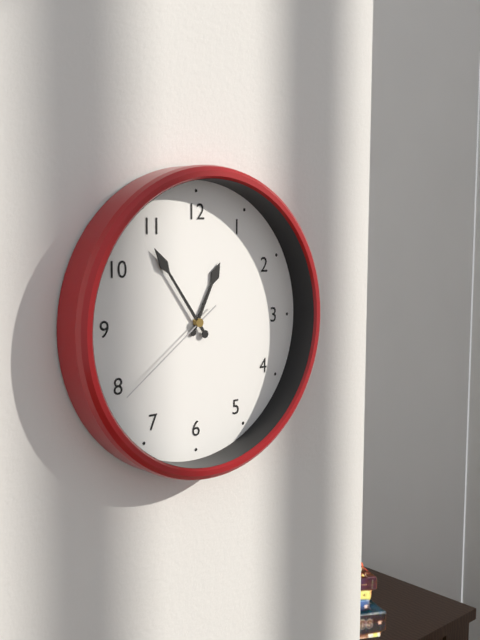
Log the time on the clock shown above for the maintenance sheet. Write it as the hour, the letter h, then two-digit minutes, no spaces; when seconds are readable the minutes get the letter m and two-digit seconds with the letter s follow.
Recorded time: 12h54m39s
